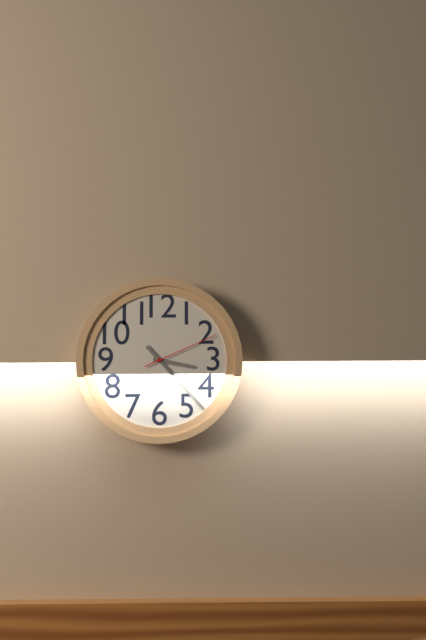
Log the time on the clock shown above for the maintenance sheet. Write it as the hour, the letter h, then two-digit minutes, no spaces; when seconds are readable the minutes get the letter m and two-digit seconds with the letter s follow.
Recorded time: 3h23m11s
